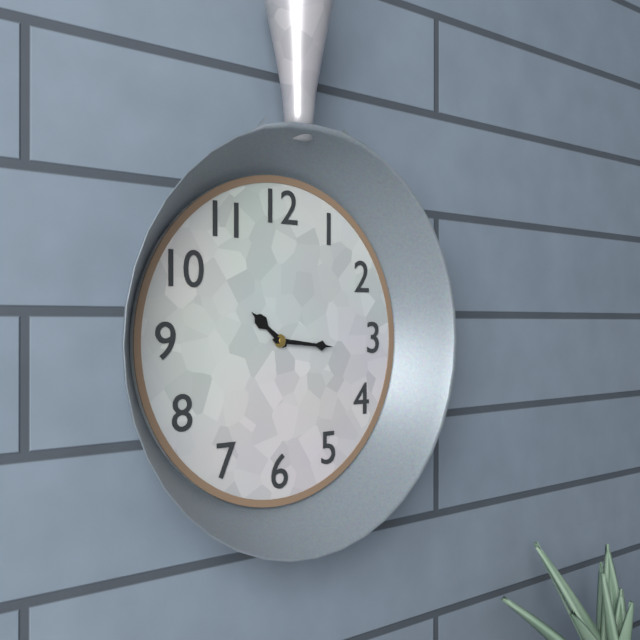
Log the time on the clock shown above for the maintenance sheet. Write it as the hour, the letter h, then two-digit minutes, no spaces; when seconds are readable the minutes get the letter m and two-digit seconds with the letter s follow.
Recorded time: 10h16
